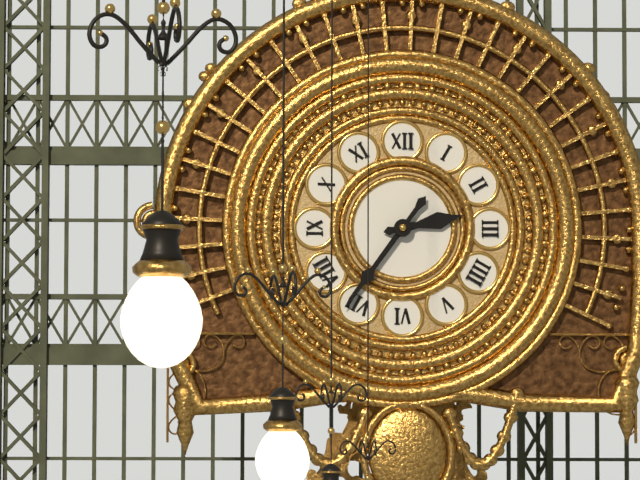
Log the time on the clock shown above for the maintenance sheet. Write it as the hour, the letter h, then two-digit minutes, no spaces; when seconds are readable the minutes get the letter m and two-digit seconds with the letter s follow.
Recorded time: 2h36
